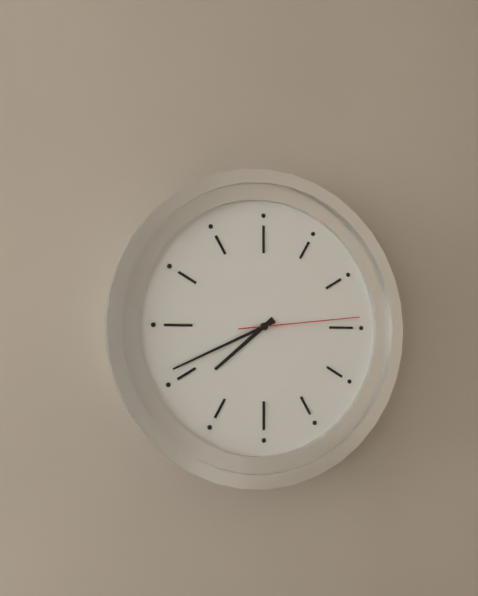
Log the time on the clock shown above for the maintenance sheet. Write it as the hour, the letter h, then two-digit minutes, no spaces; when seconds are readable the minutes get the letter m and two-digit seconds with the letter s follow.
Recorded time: 7h41m14s
